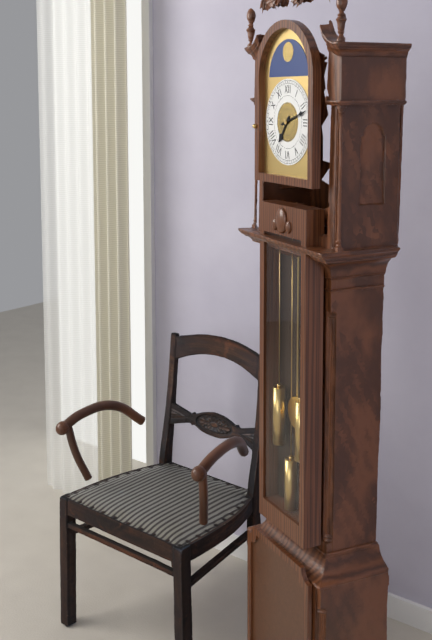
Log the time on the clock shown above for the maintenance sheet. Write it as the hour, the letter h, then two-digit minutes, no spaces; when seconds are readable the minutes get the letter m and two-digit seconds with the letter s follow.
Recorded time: 7h12
